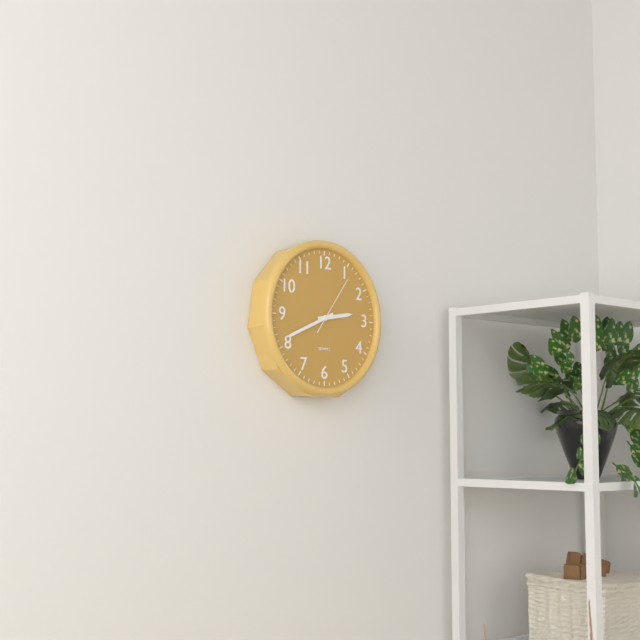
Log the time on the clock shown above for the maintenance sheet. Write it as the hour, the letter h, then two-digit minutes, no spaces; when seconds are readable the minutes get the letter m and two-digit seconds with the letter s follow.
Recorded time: 2h41m06s
